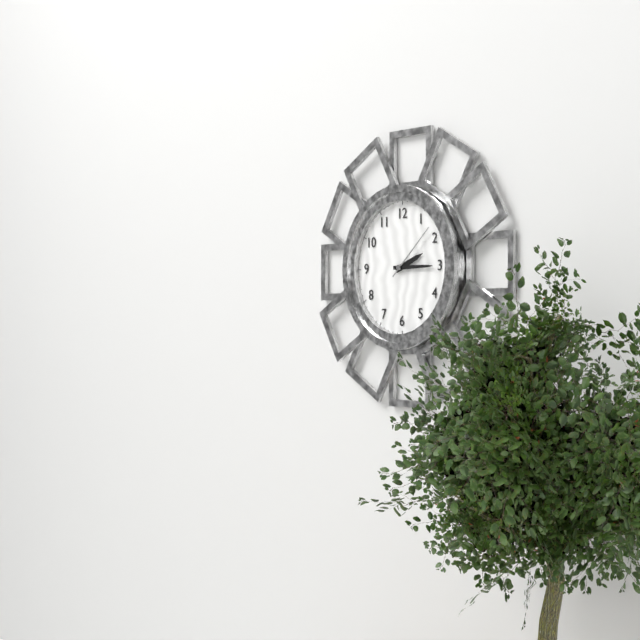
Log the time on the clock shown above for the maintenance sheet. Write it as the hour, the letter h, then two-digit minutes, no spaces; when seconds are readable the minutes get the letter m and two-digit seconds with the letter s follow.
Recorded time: 2h15m08s
